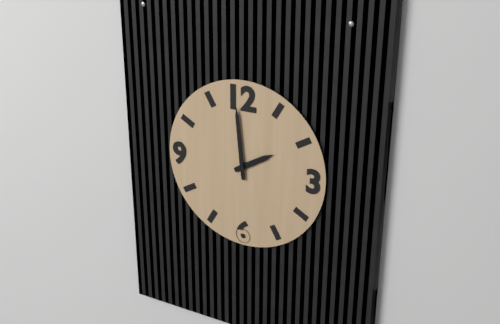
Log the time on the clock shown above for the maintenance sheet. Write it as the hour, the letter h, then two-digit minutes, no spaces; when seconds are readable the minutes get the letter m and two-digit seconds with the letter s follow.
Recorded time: 1h59
